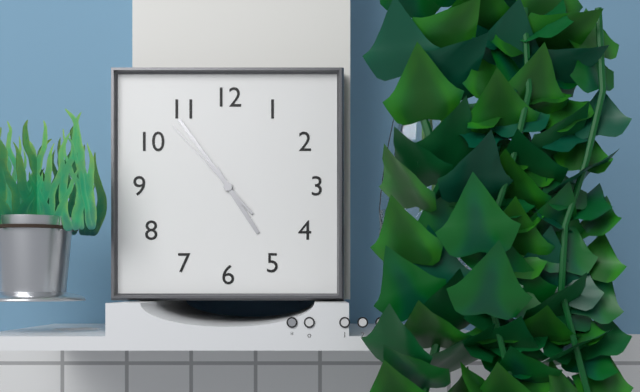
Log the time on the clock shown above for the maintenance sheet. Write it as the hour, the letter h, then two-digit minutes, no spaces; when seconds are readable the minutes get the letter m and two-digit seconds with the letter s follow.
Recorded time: 4h54m53s
